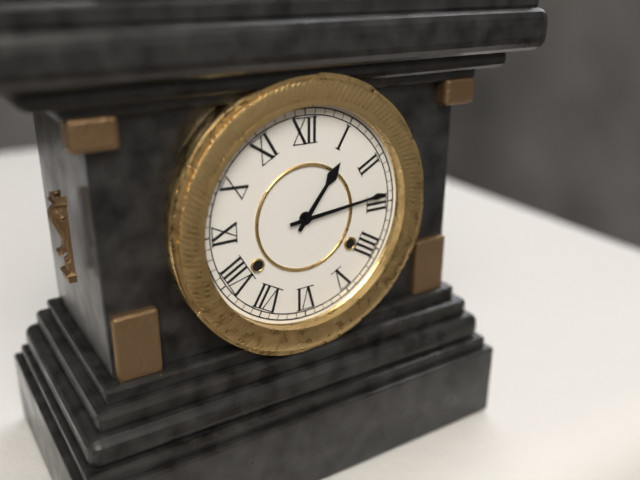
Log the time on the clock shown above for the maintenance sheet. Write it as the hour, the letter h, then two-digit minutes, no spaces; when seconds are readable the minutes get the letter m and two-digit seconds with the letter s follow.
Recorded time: 1h14
